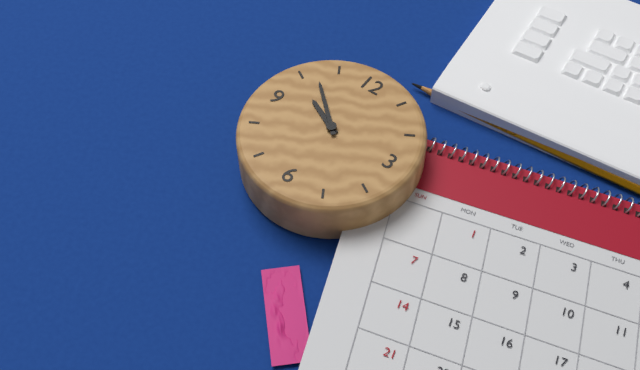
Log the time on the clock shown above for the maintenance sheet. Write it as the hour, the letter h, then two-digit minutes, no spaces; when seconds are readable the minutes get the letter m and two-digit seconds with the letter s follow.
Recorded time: 9h52
